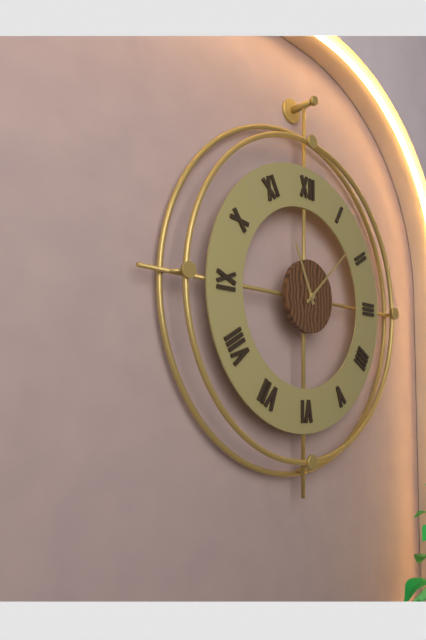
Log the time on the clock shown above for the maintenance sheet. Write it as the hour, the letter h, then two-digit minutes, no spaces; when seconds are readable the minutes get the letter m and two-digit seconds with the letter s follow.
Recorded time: 11h08
